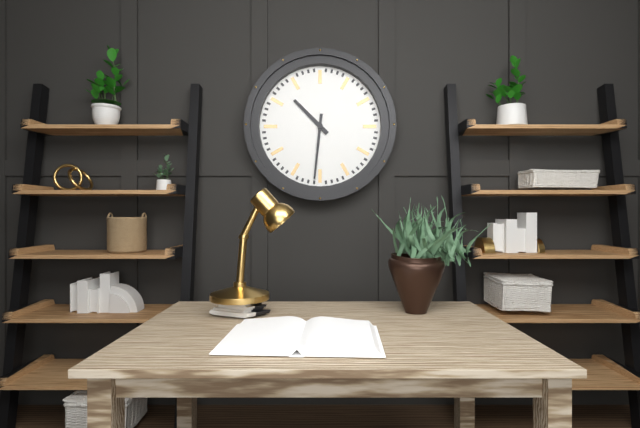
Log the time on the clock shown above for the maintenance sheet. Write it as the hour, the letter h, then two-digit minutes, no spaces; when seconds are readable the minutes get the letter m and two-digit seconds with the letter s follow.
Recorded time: 10h31
